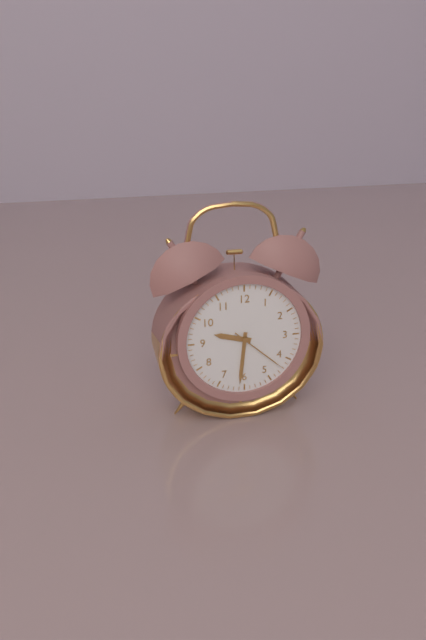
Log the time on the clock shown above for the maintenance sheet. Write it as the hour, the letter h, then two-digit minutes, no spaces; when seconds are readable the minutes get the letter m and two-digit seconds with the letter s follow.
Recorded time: 9h31m22s
